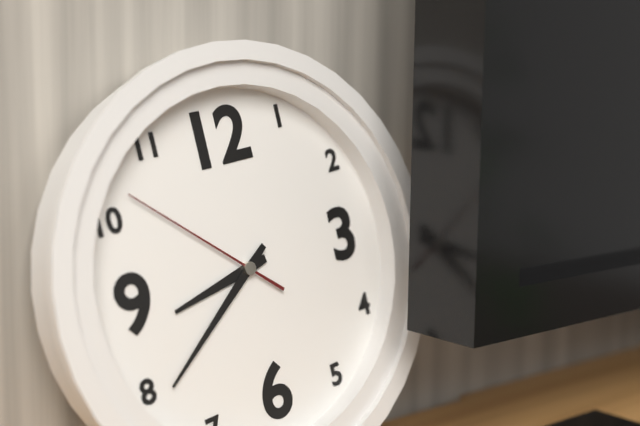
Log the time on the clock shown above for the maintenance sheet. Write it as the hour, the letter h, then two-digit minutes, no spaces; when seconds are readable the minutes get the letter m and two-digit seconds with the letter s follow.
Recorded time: 8h39m52s
